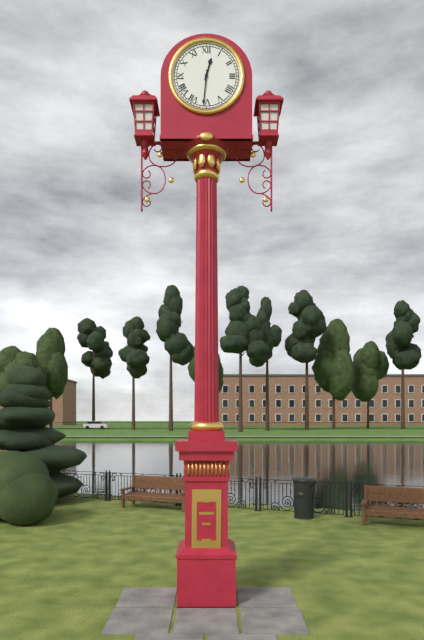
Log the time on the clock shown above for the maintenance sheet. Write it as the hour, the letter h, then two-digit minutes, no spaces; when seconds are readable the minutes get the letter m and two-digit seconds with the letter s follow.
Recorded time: 12h31
